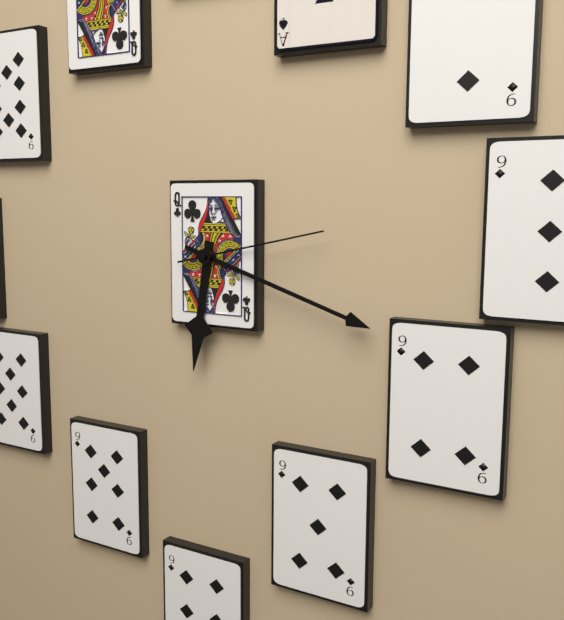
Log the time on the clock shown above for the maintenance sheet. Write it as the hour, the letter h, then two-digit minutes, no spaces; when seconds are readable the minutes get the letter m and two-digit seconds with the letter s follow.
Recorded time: 6h18m13s
